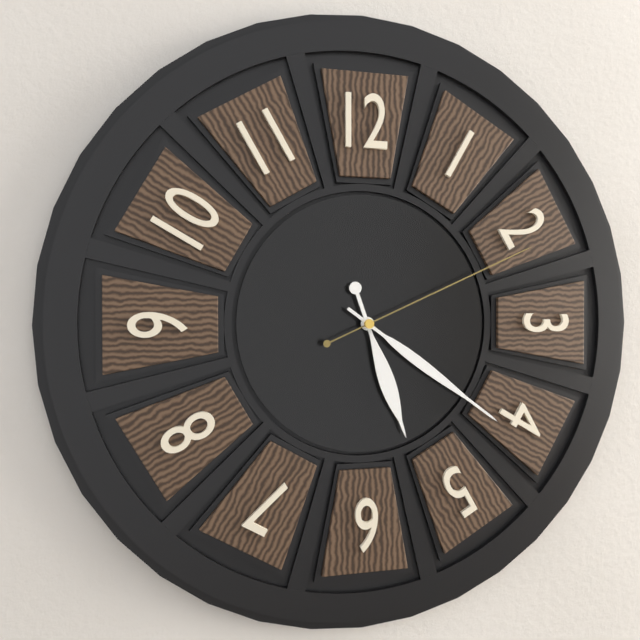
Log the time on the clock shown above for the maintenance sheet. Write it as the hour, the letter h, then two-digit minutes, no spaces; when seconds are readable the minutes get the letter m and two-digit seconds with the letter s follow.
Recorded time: 5h21m11s
